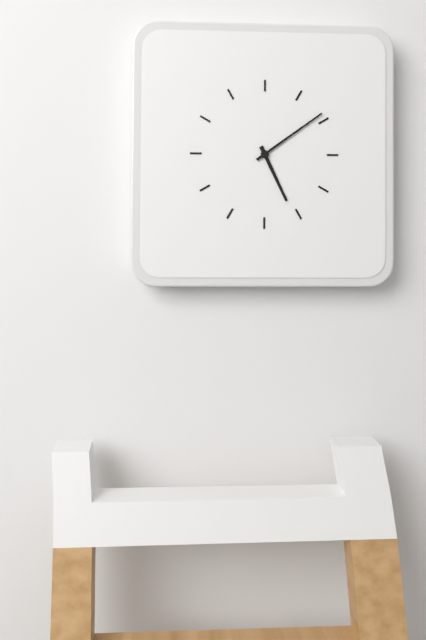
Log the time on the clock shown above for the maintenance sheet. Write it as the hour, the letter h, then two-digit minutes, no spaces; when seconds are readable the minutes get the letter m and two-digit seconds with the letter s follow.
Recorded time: 5h09
